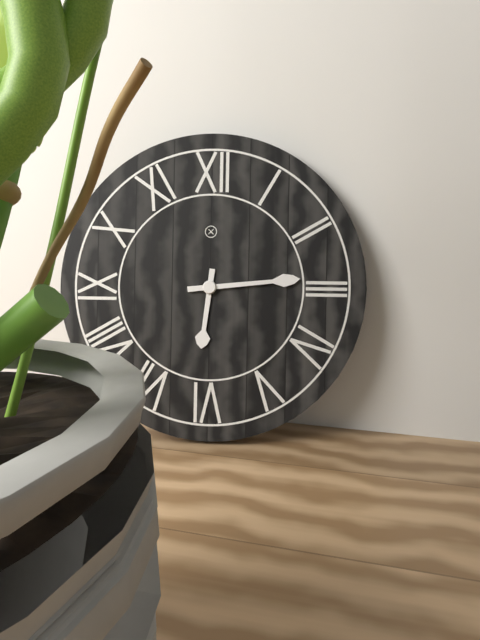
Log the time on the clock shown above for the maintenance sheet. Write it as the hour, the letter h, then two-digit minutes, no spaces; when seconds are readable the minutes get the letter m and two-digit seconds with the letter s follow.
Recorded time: 6h14
